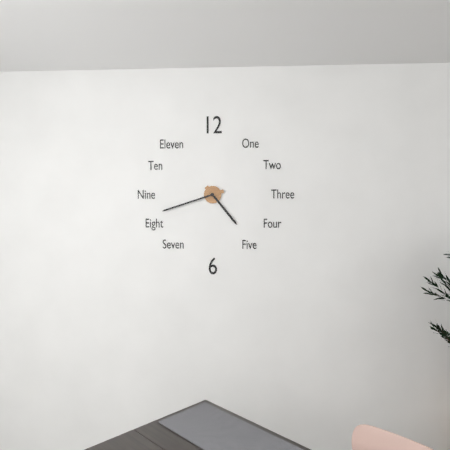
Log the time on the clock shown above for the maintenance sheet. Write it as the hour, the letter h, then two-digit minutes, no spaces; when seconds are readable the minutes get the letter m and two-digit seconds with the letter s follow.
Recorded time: 4h42
